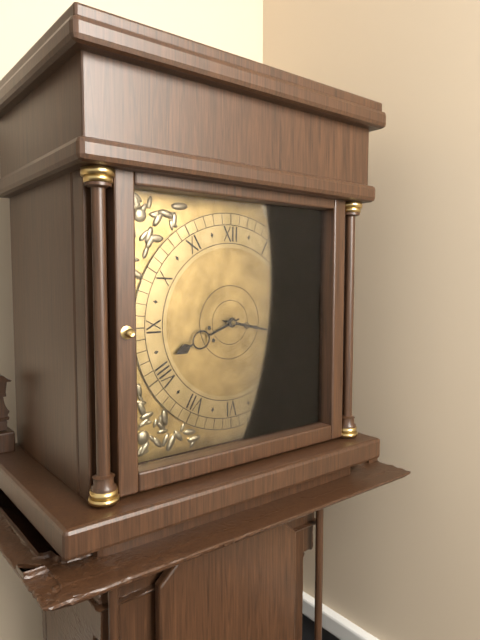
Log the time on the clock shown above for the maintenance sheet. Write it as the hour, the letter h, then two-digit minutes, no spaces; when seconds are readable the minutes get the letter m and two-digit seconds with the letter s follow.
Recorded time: 8h17
